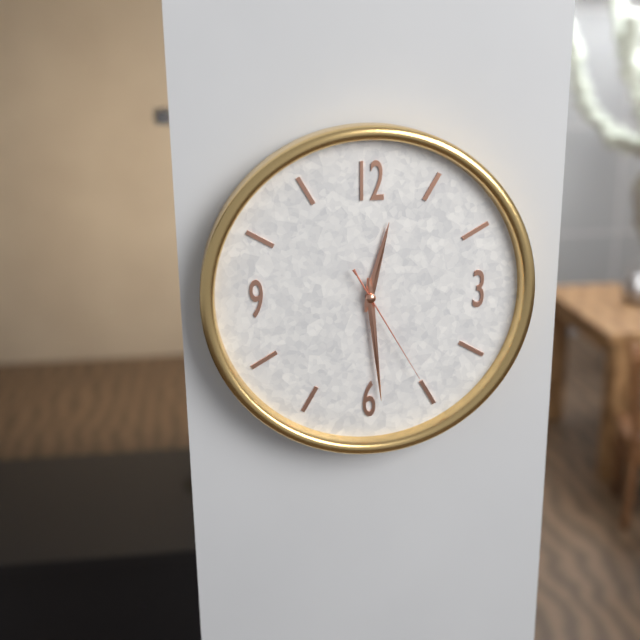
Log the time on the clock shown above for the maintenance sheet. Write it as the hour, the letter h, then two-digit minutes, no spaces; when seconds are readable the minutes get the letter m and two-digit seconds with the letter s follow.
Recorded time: 12h29m25s
